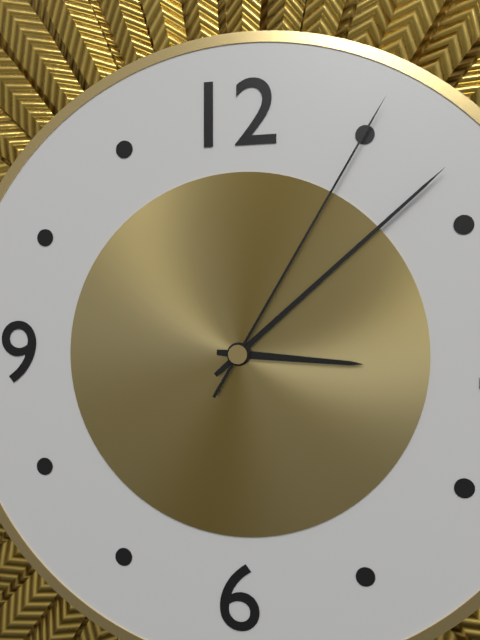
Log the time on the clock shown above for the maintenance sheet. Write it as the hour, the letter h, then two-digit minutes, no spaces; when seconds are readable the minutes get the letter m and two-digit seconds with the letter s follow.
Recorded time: 3h08m05s
